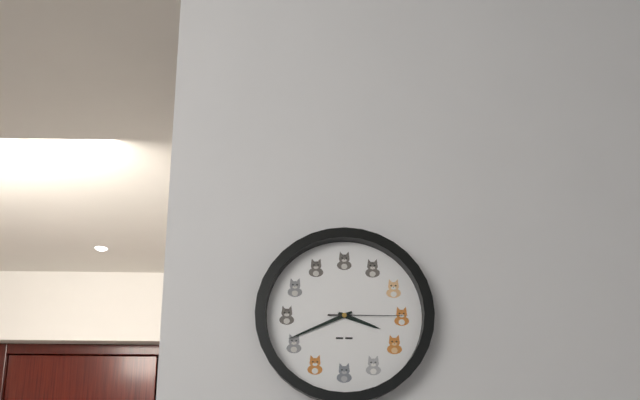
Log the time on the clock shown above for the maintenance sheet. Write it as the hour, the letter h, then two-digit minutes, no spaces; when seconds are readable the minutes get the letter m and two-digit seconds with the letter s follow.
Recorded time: 3h41m15s
